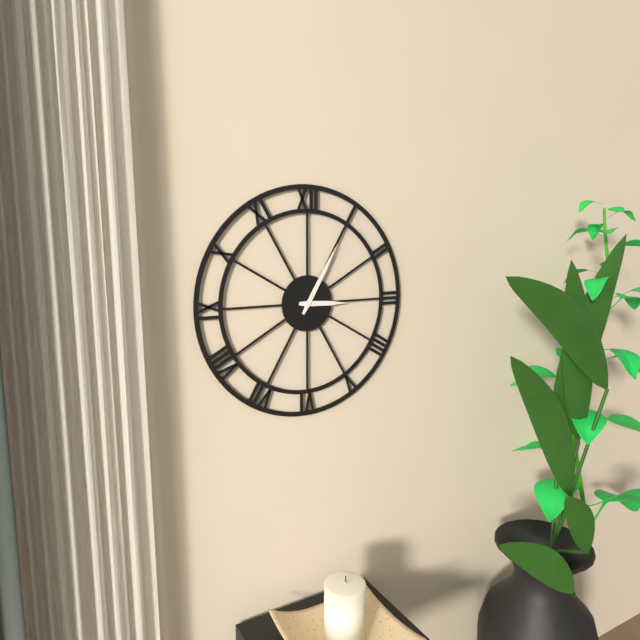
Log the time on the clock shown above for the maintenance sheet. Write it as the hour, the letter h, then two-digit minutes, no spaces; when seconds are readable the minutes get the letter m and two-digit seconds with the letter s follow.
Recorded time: 3h05
